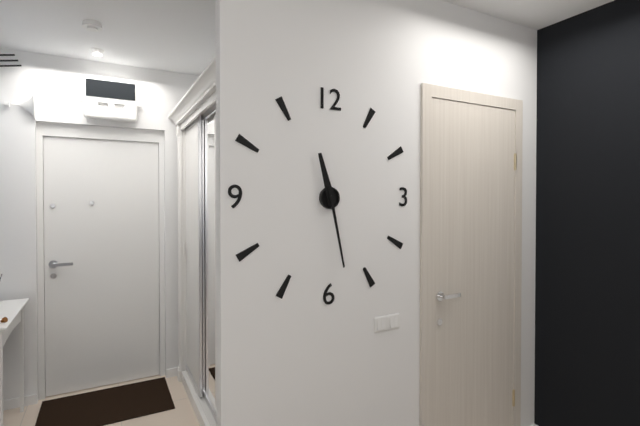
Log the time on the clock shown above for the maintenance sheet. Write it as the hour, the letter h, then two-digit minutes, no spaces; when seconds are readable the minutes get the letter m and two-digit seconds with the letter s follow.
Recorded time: 11h28
